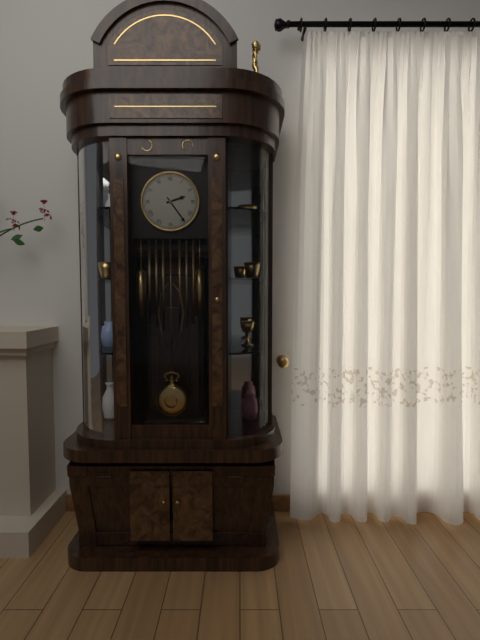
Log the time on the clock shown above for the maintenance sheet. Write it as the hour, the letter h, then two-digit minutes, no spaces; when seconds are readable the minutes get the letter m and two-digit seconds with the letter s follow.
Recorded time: 2h24
